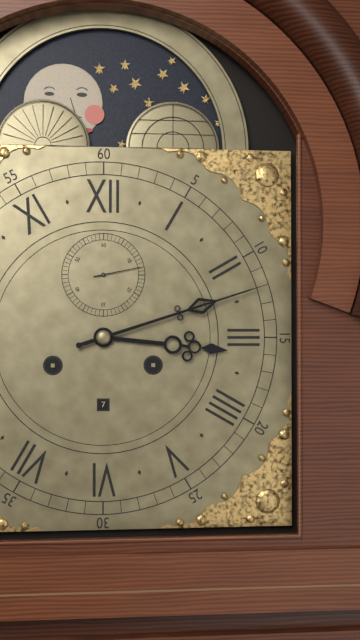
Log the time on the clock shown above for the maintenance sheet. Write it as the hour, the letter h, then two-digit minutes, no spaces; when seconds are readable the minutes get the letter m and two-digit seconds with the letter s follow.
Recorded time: 3h12
